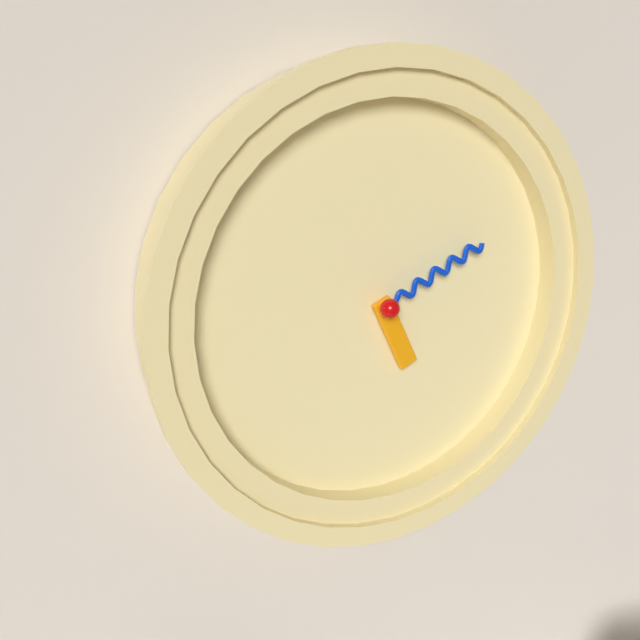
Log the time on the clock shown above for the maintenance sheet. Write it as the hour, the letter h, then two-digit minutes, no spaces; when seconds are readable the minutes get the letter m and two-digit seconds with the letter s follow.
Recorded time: 5h11
